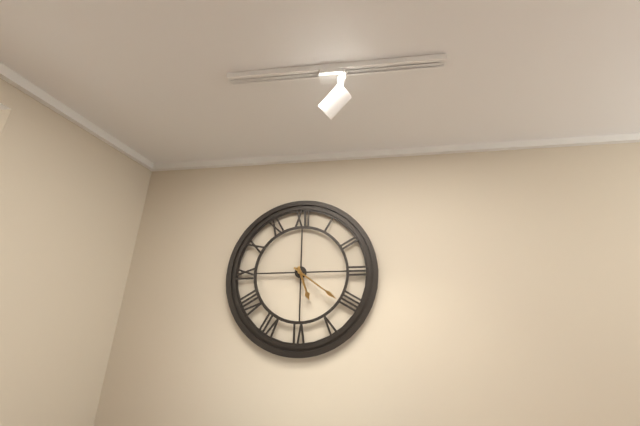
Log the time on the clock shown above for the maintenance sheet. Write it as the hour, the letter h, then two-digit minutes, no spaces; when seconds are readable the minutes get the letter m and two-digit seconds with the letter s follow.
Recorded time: 5h21
